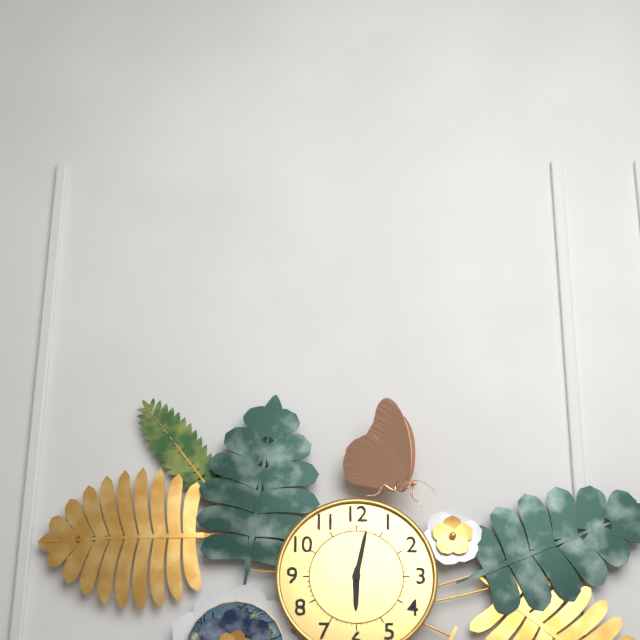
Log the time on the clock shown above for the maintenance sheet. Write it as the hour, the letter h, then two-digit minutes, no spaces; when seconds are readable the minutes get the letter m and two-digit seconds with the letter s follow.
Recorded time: 6h02
